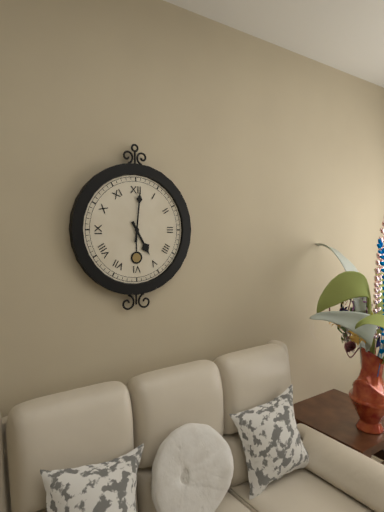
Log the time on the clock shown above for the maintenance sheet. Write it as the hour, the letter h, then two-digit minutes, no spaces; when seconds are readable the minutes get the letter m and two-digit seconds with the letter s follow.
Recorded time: 5h01
